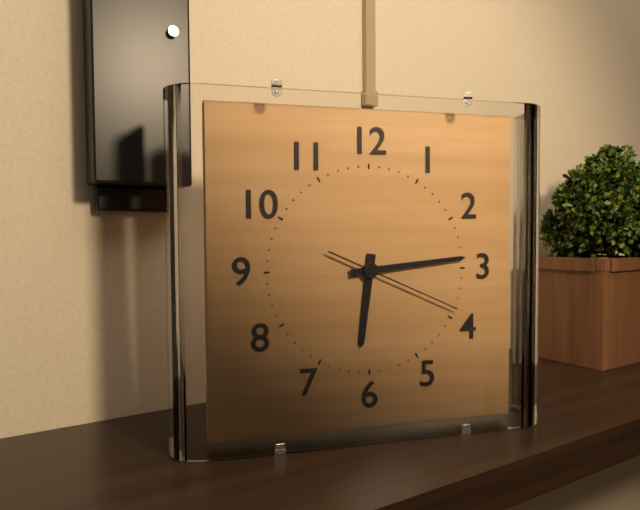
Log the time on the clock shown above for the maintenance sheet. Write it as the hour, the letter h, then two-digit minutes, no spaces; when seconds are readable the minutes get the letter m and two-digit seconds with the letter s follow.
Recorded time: 6h14m19s
